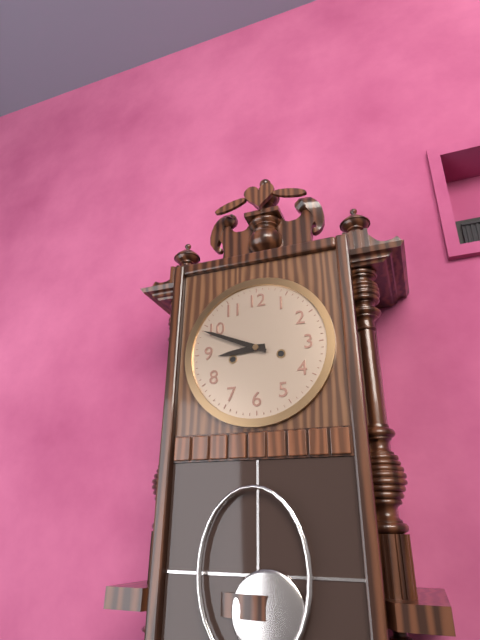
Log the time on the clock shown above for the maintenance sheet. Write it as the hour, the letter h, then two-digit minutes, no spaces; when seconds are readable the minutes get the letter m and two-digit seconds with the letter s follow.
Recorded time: 8h49
